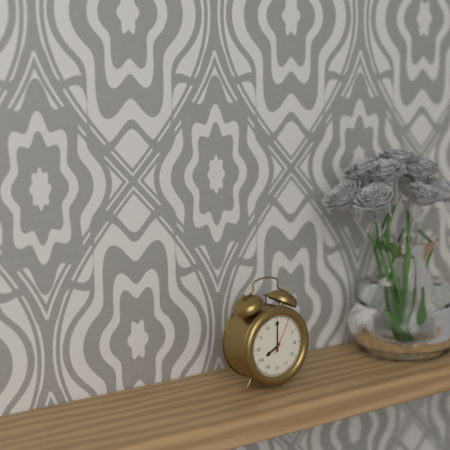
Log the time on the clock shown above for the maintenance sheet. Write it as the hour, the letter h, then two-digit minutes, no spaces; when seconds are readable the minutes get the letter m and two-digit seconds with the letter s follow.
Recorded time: 8h00
